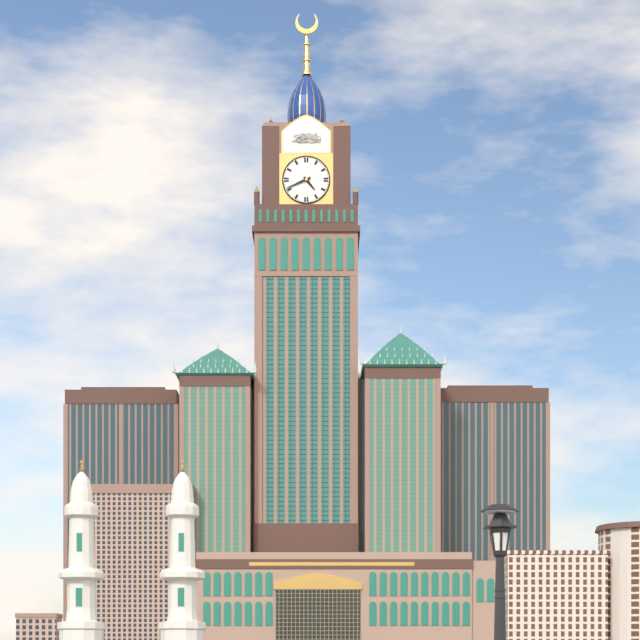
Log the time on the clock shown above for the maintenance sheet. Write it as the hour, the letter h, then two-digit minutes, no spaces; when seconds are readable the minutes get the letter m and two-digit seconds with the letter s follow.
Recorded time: 4h41
